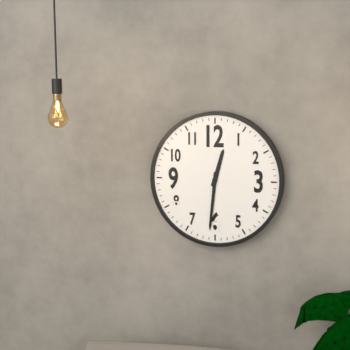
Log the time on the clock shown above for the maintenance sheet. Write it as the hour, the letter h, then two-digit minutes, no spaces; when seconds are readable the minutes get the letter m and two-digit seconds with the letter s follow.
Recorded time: 12h31
